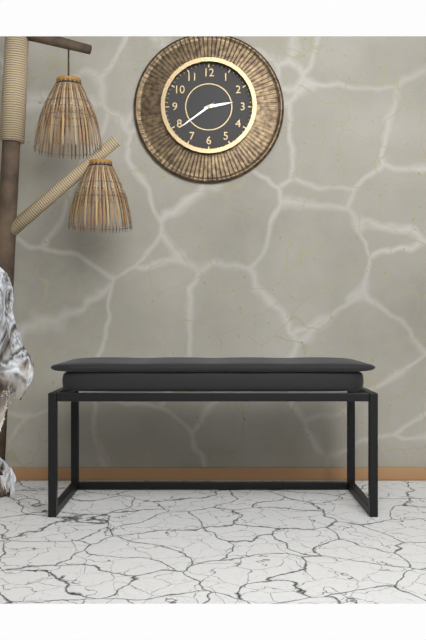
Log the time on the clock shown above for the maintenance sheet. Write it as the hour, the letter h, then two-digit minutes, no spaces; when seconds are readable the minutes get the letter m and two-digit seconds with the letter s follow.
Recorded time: 2h39
